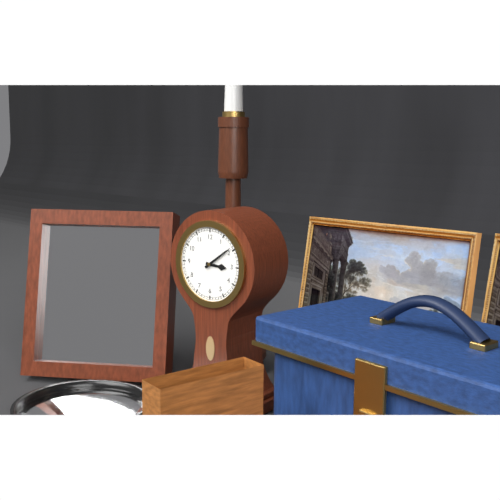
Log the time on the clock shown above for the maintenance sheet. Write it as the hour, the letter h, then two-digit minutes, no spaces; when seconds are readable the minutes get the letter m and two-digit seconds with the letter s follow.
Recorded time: 3h09
